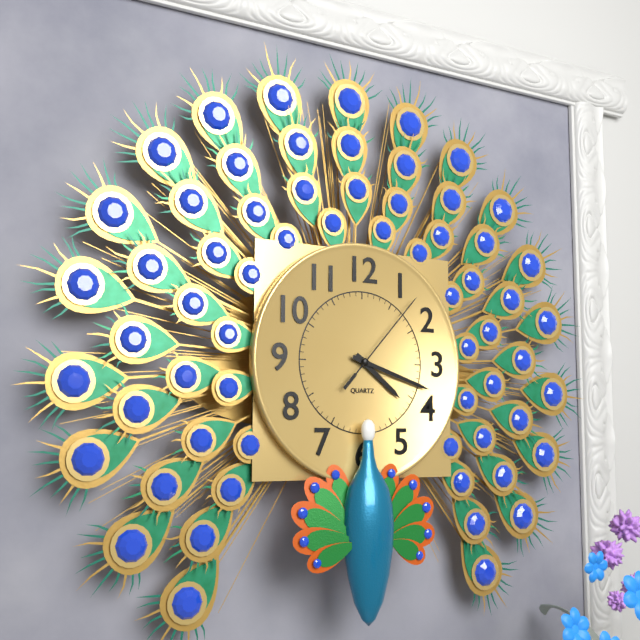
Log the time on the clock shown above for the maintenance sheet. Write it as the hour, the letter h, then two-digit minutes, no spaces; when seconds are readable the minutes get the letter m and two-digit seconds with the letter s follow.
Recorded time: 4h18m07s
